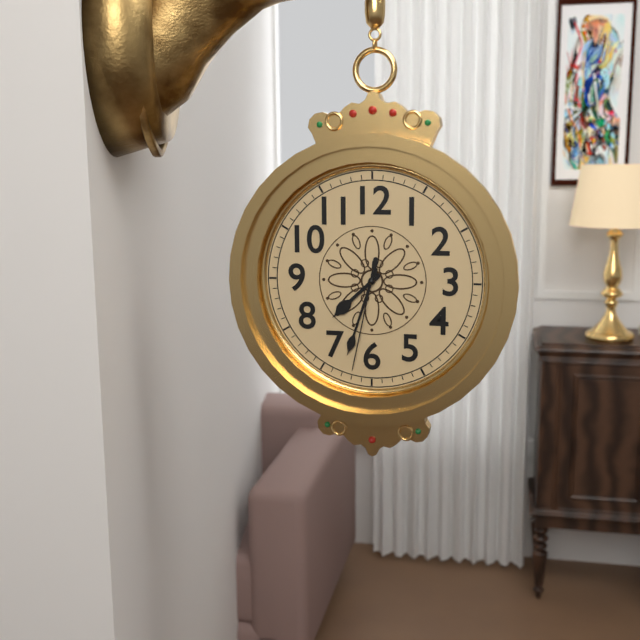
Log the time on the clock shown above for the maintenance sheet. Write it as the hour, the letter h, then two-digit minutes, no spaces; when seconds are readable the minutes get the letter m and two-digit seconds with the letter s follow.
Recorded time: 7h33m32s
